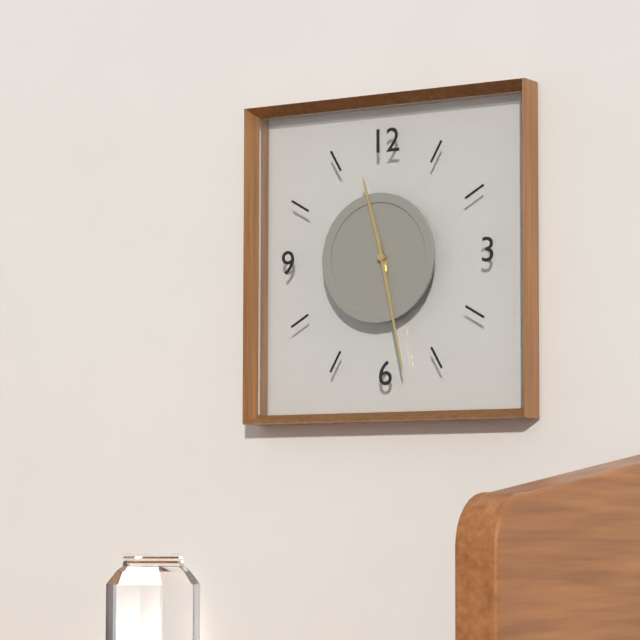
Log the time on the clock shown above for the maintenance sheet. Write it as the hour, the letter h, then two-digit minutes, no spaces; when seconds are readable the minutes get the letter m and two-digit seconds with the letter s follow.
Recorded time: 11h28
